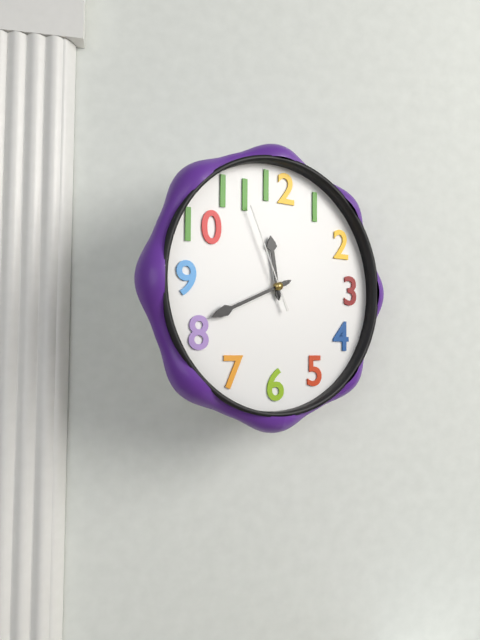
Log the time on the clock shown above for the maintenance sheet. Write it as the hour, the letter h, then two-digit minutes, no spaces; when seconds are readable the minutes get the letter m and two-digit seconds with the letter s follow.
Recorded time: 11h41m56s
